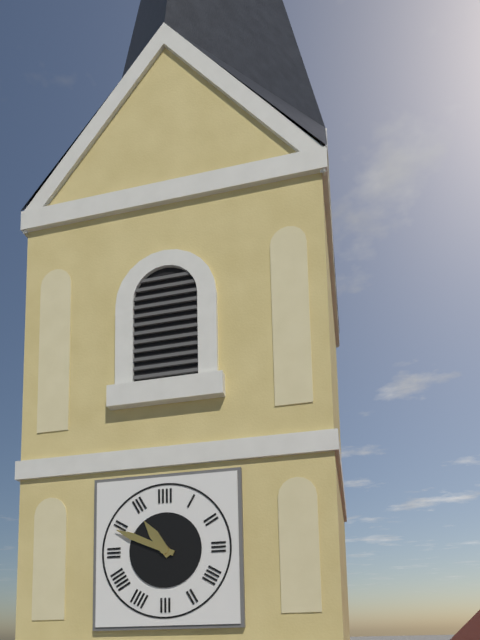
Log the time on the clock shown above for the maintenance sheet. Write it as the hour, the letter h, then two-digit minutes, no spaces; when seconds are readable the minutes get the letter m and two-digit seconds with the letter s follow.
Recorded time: 10h49
